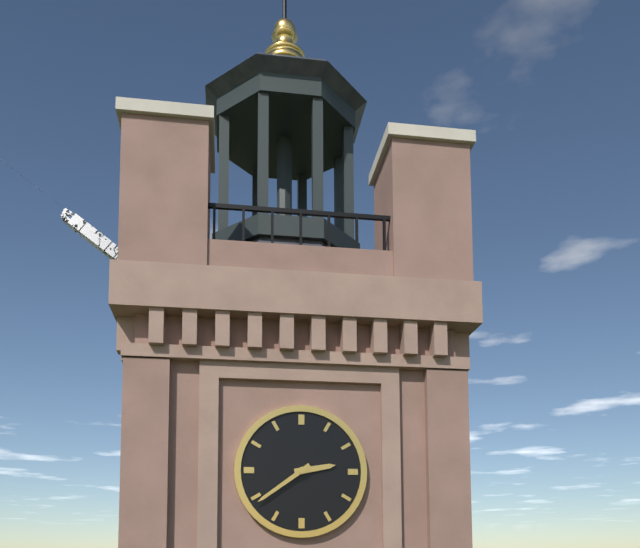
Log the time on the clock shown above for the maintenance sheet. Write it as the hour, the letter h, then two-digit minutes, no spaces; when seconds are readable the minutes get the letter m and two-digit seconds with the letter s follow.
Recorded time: 2h39
